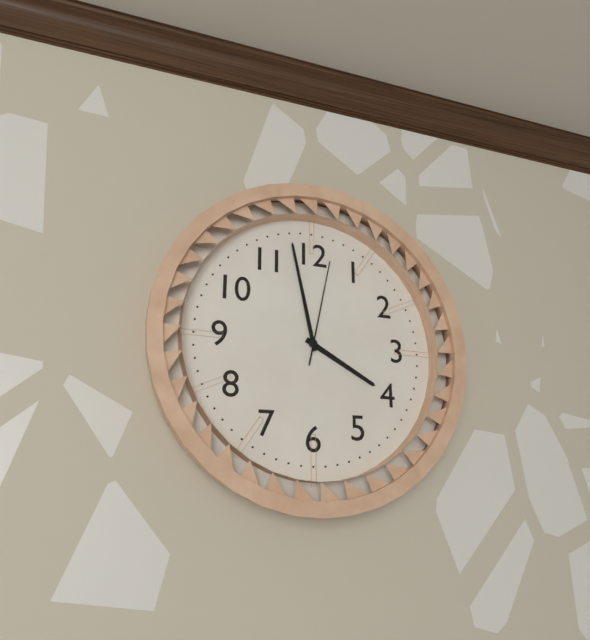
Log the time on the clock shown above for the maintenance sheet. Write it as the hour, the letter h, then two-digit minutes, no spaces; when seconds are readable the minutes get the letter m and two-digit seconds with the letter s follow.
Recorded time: 3h58m02s
